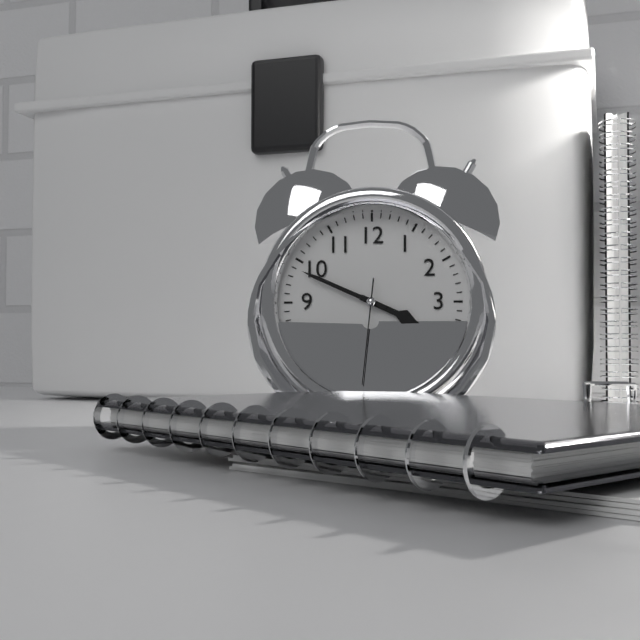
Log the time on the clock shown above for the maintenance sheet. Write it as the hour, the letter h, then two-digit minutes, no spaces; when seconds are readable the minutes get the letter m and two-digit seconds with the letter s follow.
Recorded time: 3h49m31s
